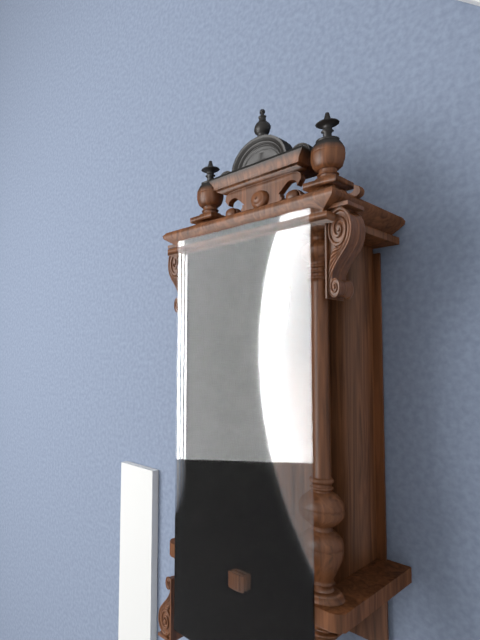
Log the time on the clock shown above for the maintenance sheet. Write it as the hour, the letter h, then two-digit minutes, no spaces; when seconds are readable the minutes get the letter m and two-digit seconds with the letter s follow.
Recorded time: 6h21
